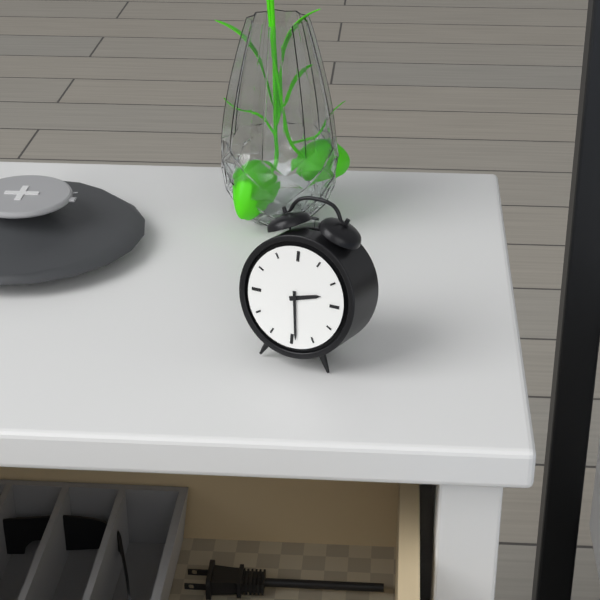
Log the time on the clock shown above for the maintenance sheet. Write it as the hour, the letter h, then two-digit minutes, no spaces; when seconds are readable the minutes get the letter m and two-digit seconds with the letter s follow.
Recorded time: 2h29
